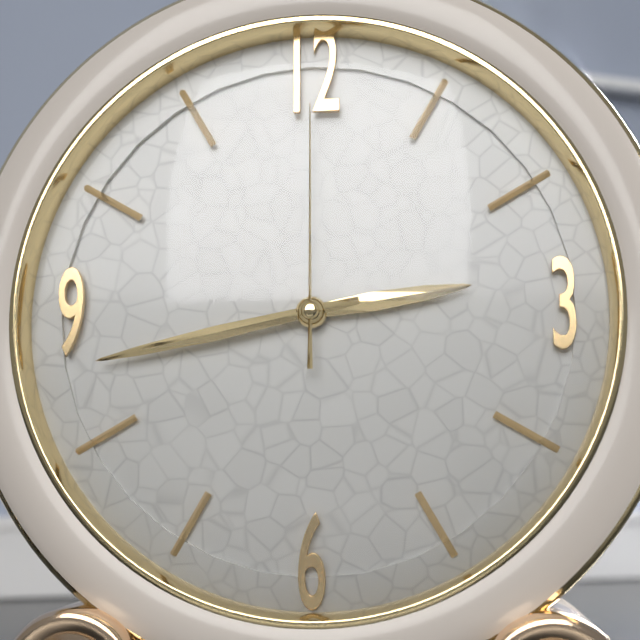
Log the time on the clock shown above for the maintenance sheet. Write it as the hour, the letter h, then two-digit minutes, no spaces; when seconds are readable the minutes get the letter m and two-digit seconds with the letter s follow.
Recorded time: 2h43m00s
